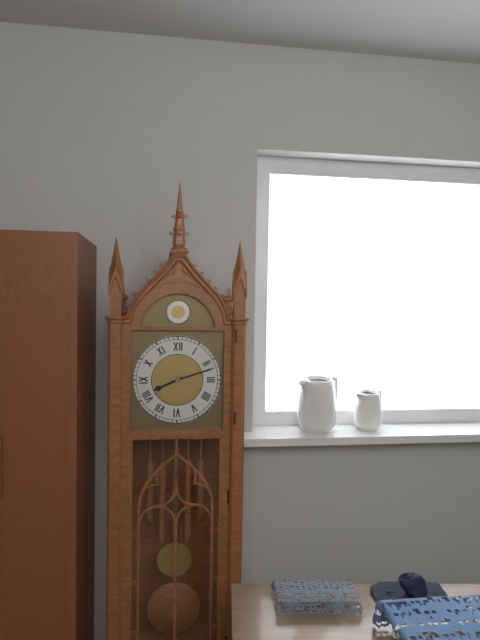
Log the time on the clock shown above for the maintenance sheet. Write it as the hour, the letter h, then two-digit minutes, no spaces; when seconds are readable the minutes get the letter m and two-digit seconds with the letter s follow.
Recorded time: 8h12
